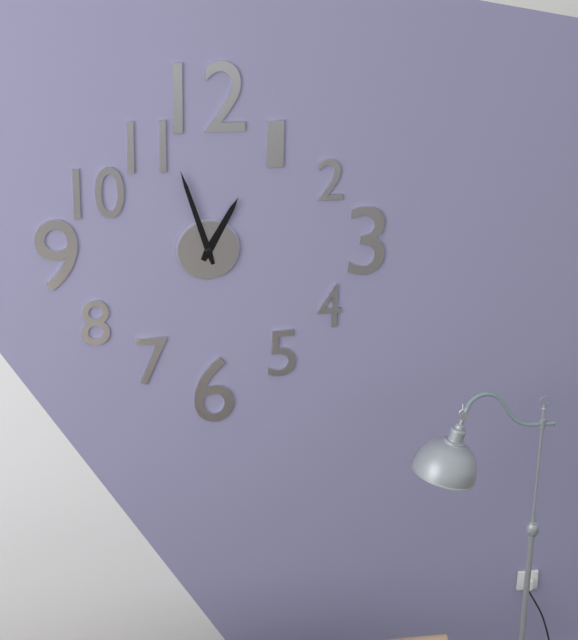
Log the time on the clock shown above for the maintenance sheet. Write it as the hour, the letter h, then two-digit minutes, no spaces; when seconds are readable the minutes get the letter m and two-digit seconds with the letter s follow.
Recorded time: 12h57
